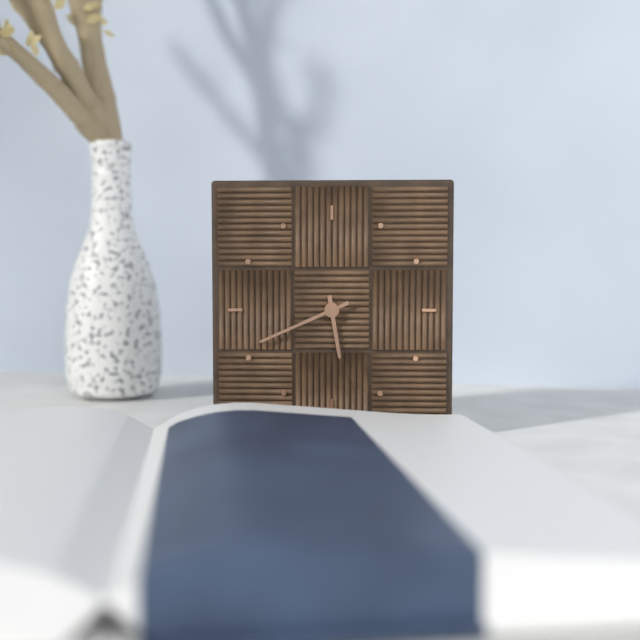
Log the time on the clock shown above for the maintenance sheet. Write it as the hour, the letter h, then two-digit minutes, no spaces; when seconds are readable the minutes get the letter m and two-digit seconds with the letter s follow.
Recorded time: 5h41
